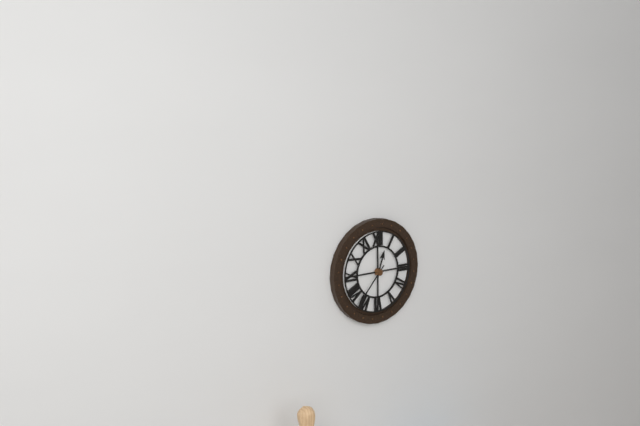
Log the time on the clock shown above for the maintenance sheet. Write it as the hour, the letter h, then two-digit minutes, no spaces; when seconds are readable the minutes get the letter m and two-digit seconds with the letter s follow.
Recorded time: 12h37
